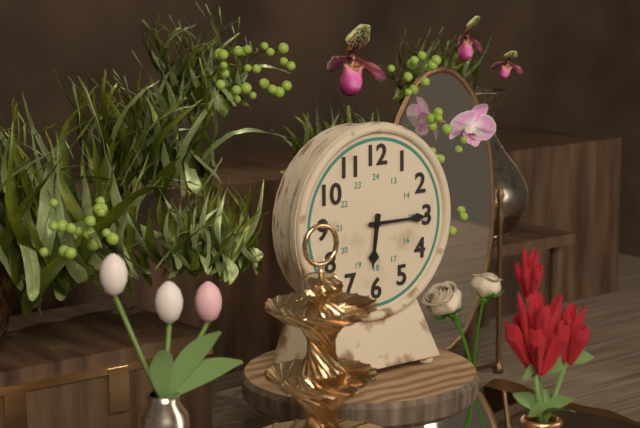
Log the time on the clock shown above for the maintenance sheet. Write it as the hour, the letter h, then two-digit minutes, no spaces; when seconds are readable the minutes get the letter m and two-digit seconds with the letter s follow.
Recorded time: 6h15
